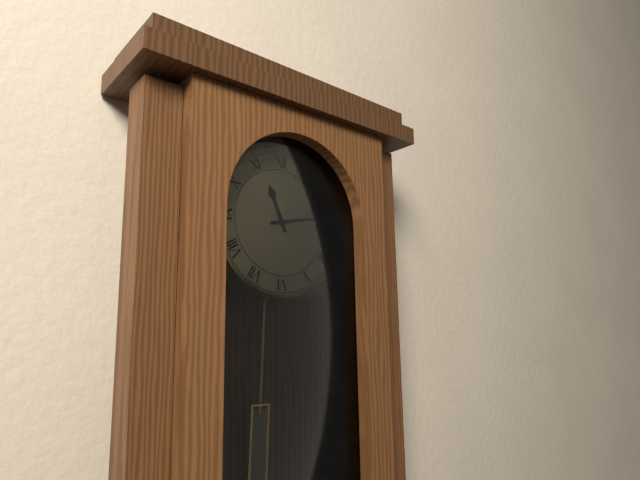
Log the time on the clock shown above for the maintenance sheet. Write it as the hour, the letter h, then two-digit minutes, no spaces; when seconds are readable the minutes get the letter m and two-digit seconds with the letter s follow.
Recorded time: 11h13
